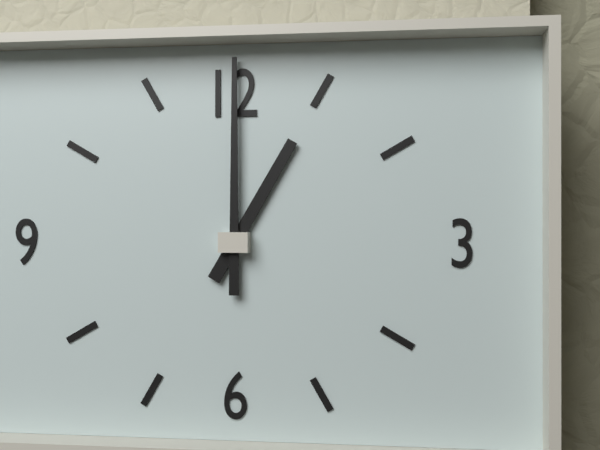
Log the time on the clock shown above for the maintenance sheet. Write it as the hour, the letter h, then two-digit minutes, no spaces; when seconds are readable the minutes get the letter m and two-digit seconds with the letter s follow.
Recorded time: 1h00
